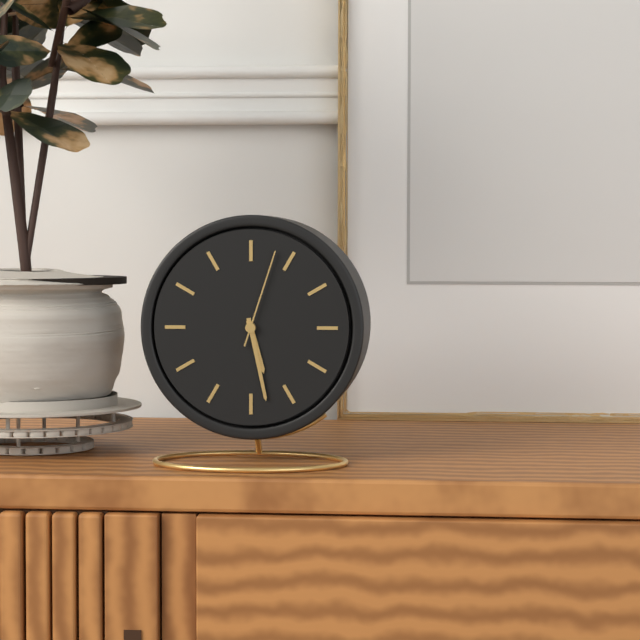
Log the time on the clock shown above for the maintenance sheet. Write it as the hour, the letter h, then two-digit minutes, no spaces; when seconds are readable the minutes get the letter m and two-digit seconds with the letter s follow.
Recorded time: 5h28m03s
